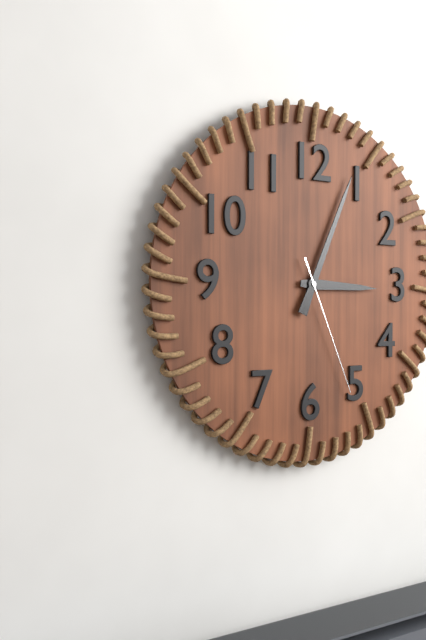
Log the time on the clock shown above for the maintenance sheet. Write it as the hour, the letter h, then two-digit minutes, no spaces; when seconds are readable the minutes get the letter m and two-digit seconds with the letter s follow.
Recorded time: 3h04m26s
